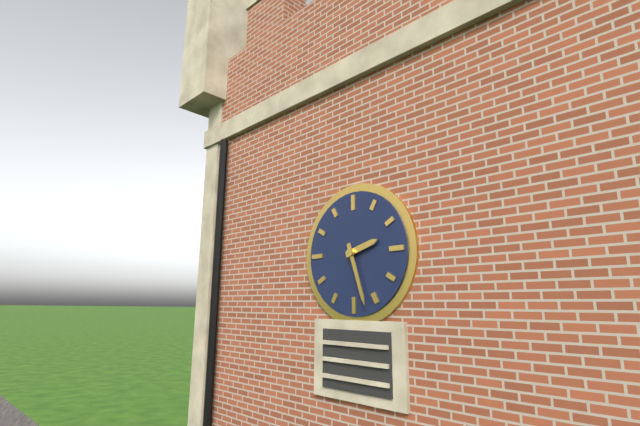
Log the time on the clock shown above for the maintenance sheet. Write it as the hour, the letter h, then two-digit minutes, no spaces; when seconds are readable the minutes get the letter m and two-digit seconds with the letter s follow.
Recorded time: 2h27
